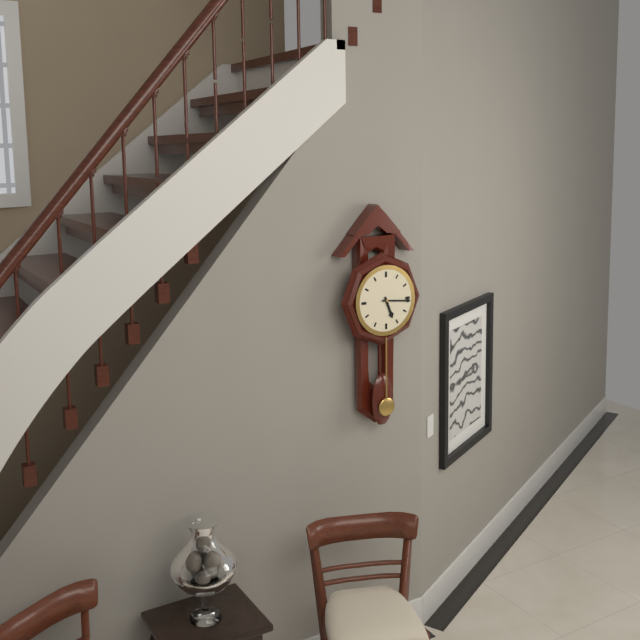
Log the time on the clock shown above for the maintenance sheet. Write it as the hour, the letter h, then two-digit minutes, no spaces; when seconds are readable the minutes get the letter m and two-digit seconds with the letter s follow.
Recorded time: 5h16
